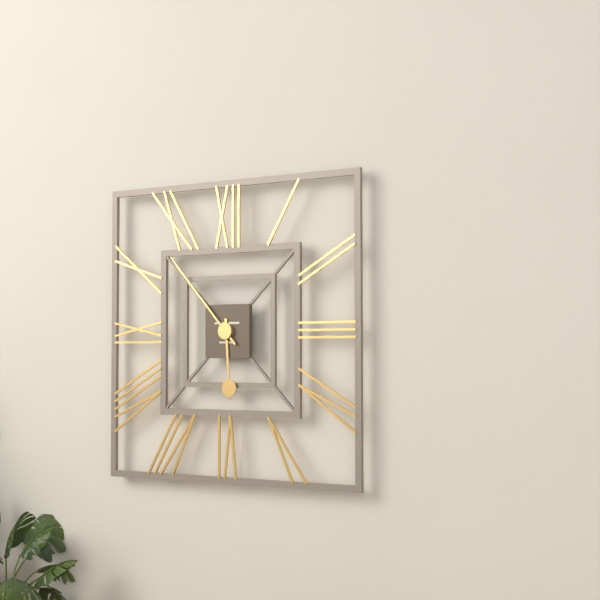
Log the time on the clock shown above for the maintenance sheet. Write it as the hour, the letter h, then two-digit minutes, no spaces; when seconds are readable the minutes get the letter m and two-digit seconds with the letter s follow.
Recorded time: 5h53
